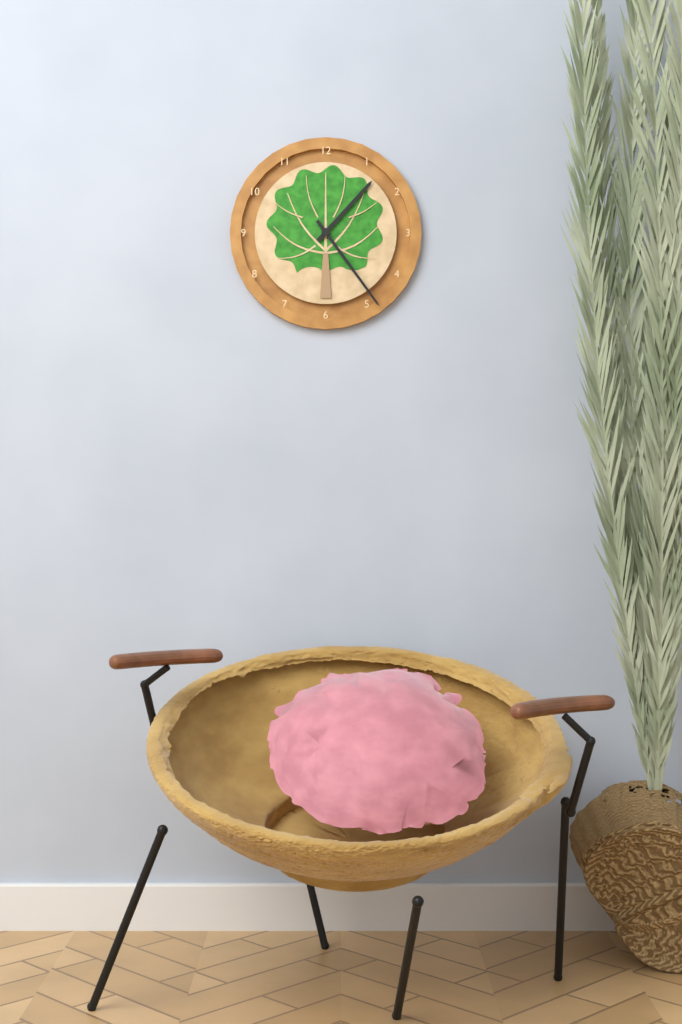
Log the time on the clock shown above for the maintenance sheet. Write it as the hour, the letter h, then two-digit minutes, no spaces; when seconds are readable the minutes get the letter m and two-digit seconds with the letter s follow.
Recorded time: 1h24
